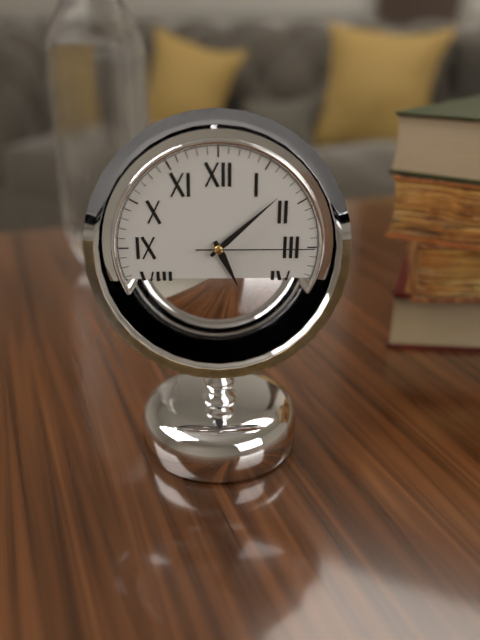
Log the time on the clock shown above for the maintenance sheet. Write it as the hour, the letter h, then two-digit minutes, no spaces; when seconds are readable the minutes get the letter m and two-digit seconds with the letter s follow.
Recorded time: 5h08m15s
